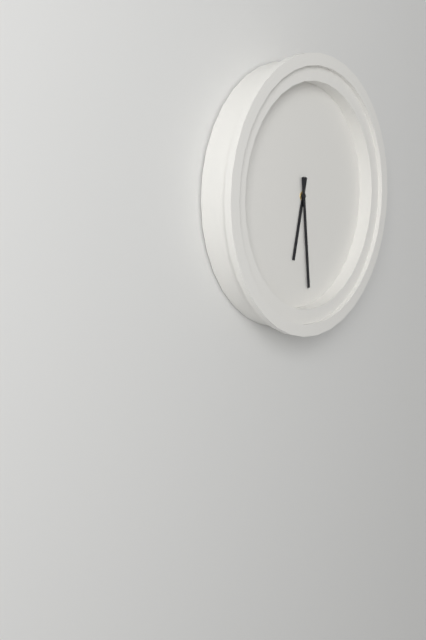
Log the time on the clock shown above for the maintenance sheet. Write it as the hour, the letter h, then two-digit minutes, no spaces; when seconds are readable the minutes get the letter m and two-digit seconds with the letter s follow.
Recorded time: 6h29
